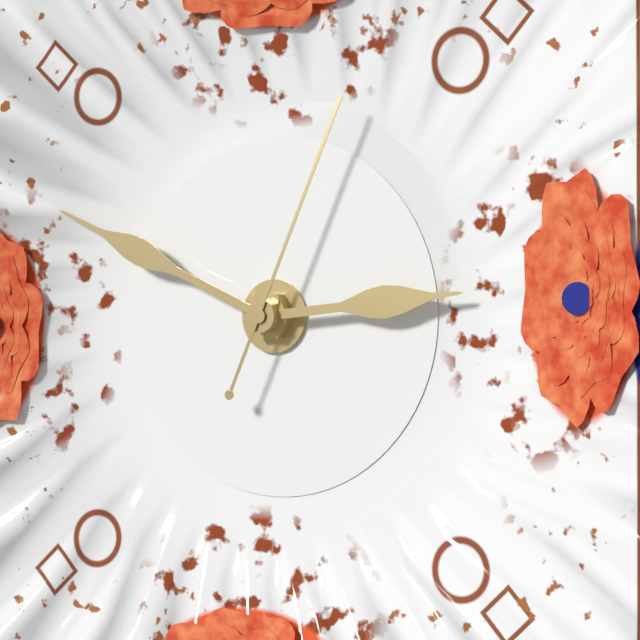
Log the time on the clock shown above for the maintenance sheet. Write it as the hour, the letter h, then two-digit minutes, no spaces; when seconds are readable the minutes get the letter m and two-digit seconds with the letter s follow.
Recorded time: 2h49m04s
